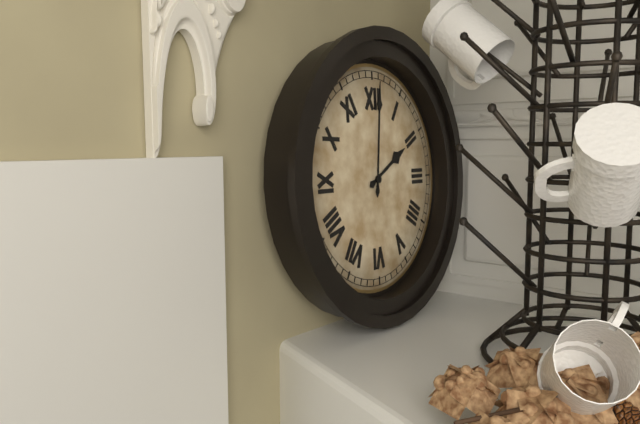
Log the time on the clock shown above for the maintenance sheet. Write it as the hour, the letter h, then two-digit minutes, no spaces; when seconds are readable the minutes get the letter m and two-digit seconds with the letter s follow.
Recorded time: 2h01
